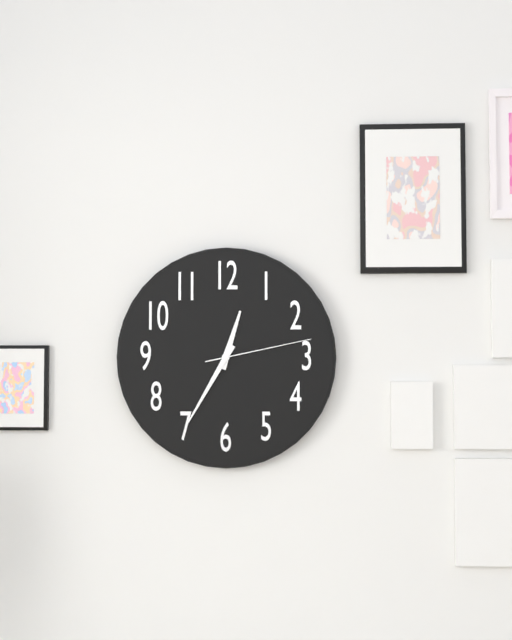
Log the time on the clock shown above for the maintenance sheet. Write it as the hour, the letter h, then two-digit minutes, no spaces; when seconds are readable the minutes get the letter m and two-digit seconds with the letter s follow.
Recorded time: 12h35m13s
